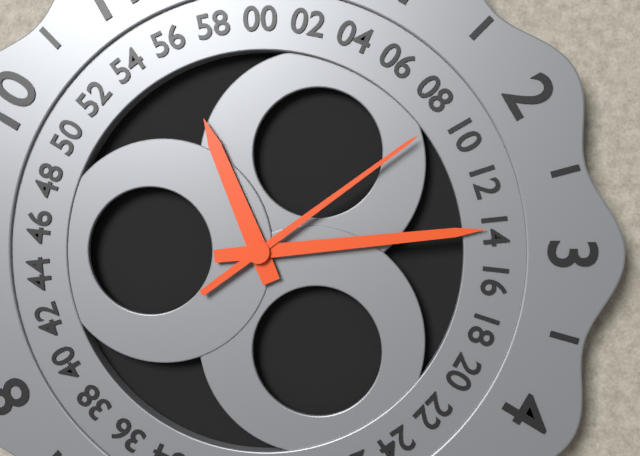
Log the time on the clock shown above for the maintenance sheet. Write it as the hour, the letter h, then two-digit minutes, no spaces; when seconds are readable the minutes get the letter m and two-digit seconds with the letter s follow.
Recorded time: 11h14m09s
